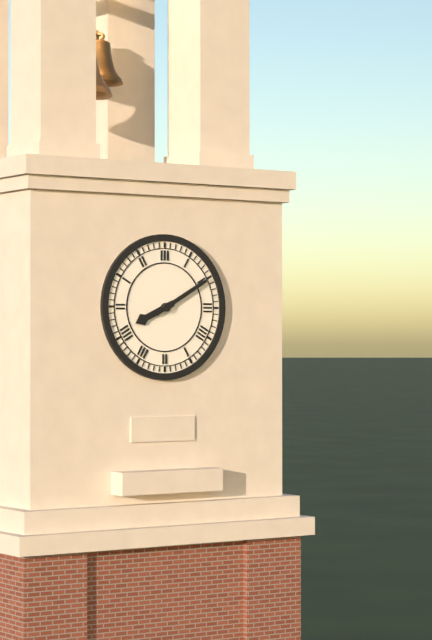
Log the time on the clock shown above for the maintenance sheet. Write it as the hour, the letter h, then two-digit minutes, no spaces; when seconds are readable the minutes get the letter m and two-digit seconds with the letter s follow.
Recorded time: 8h10
